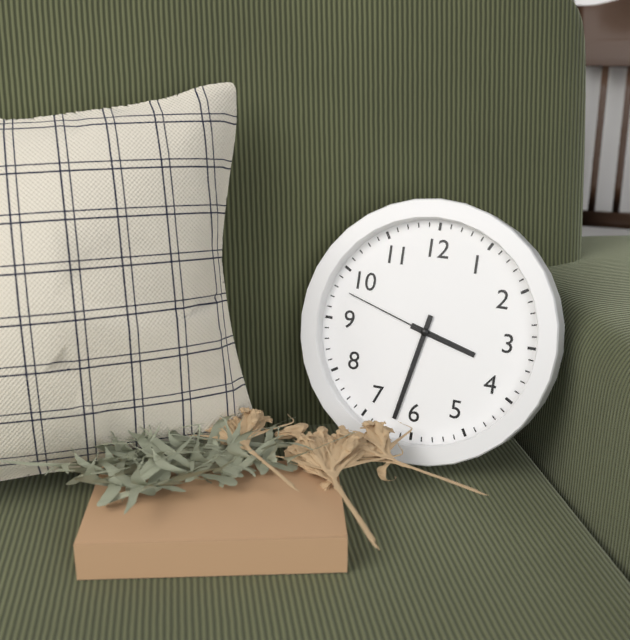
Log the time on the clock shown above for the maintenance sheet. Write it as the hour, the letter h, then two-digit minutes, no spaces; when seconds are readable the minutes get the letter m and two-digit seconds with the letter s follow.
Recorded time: 3h32m48s
